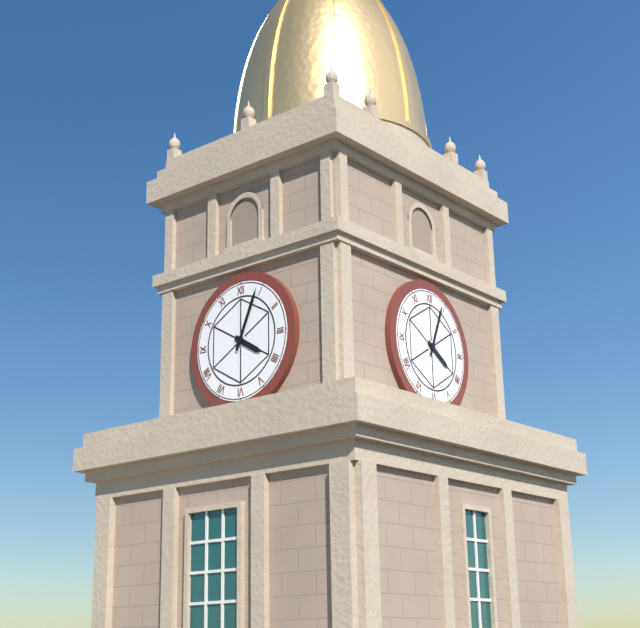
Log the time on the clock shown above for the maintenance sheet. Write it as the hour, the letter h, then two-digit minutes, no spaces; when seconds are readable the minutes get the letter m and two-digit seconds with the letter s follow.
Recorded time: 4h04
